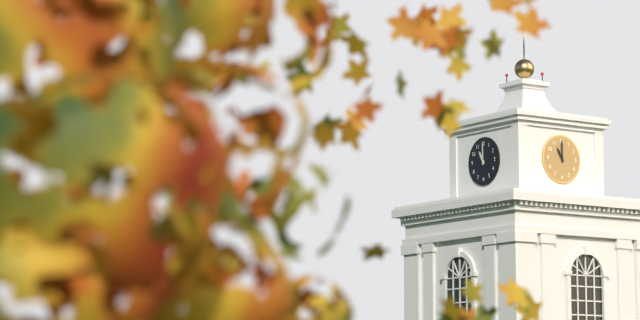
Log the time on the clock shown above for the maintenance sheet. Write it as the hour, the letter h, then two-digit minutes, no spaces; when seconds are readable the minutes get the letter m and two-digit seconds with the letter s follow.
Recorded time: 11h00
